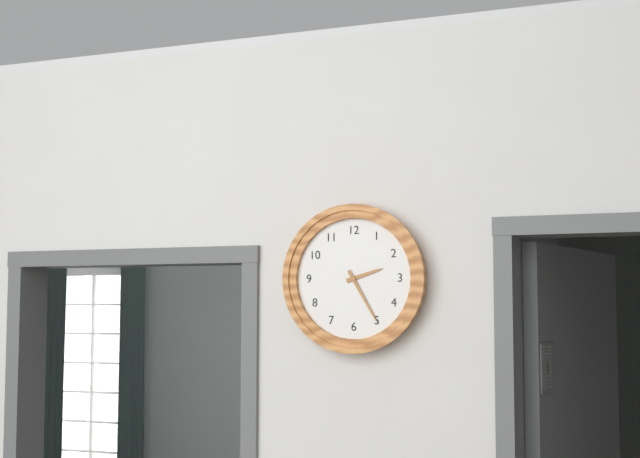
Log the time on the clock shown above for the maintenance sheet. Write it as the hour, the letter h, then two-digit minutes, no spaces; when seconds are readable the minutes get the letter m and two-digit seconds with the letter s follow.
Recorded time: 2h25
